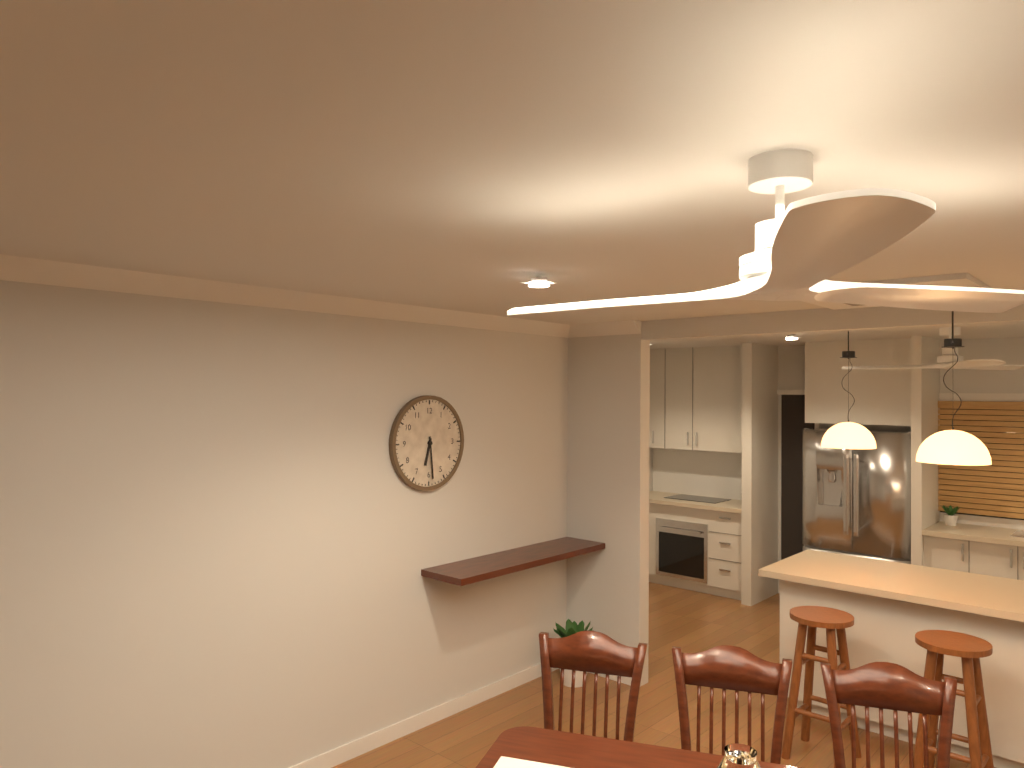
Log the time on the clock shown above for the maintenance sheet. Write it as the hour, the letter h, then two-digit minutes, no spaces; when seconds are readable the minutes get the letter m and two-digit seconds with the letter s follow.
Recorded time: 6h29
